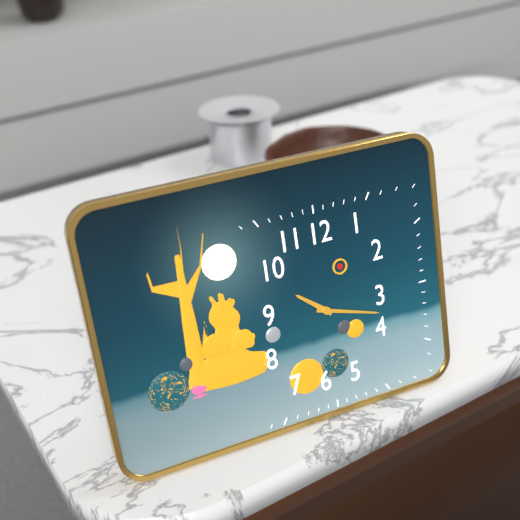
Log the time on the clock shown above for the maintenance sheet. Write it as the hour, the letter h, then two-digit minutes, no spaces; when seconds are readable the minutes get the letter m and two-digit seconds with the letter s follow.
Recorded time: 10h18
